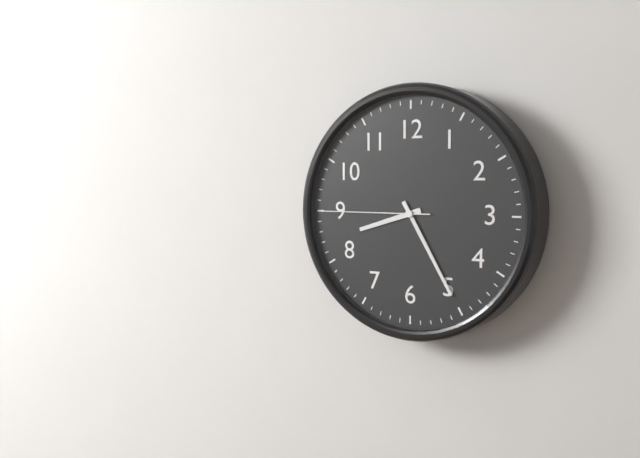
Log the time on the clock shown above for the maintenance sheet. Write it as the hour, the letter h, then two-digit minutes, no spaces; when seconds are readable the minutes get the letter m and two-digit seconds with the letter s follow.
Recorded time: 8h25m45s
